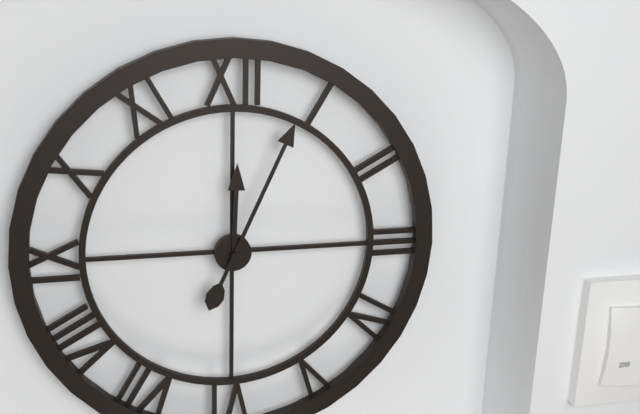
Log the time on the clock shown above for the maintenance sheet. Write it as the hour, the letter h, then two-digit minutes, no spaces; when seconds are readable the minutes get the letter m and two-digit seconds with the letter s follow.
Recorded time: 12h04
